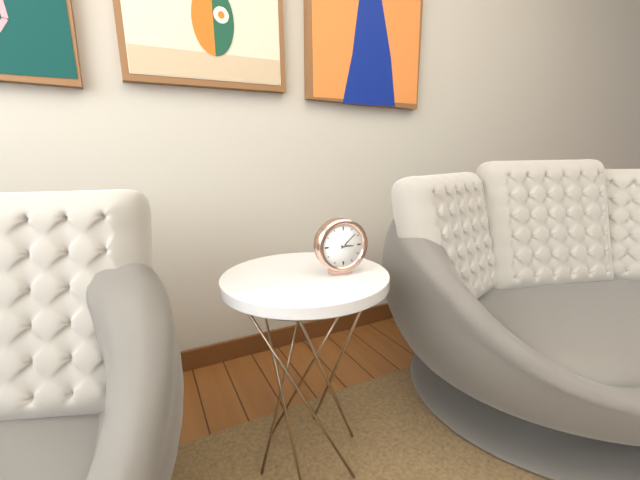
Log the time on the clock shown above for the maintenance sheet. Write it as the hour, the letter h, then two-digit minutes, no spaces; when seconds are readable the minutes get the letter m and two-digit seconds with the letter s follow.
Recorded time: 3h08
